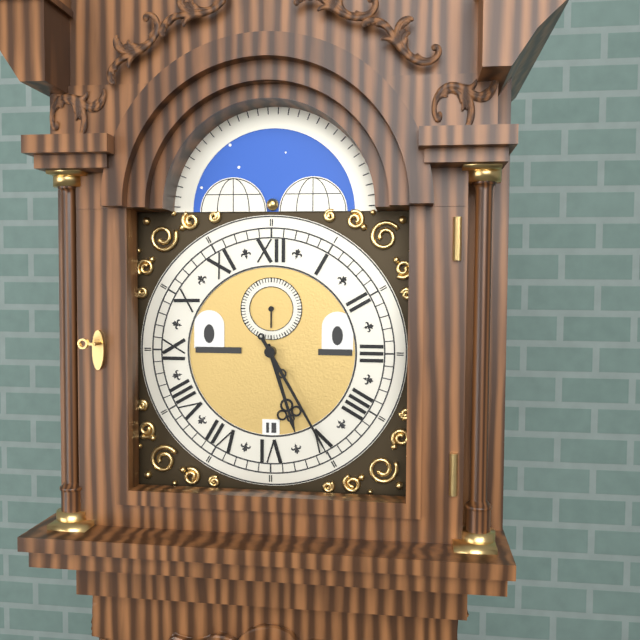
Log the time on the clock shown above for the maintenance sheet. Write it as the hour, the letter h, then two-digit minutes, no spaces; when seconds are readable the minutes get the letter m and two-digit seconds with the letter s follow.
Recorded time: 5h25
